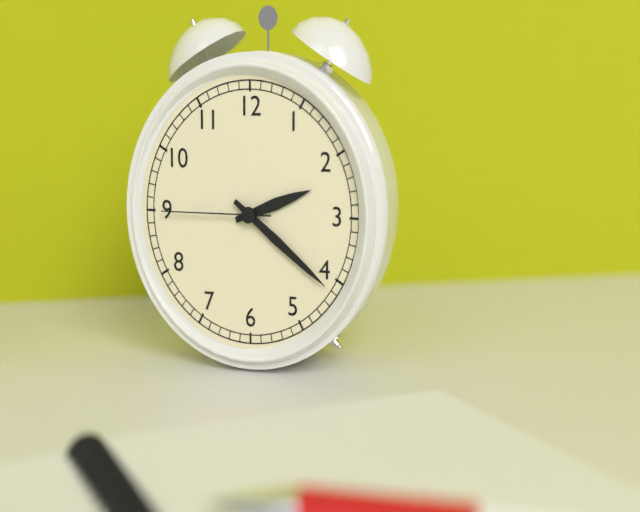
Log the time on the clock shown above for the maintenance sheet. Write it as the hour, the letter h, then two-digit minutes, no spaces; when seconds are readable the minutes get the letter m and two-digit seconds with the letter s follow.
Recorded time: 2h21m45s
